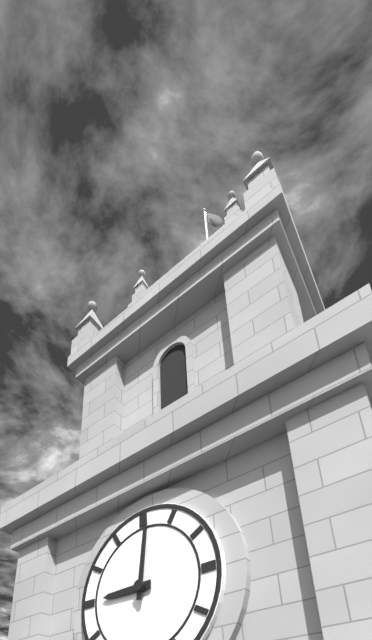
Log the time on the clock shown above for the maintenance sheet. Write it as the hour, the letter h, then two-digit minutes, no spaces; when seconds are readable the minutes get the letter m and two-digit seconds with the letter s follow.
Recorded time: 9h01
